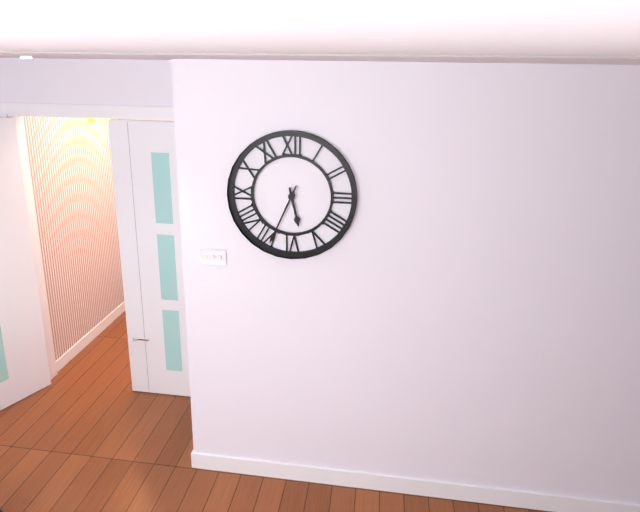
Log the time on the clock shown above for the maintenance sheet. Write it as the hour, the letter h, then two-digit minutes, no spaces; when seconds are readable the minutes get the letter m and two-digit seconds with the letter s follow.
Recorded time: 5h34
